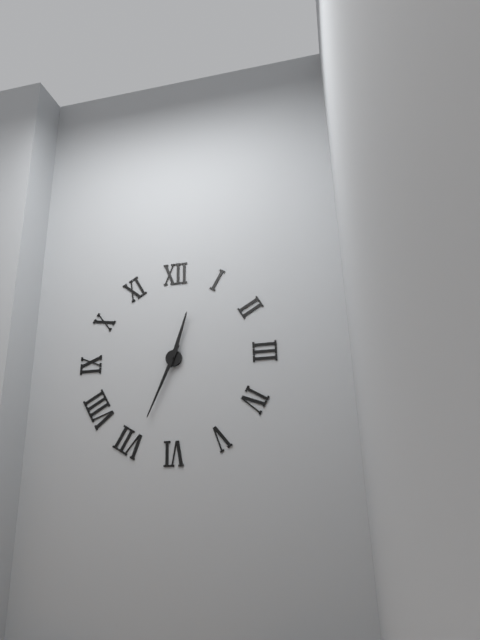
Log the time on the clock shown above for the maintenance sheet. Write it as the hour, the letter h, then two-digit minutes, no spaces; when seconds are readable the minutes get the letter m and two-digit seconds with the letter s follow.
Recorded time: 12h34
